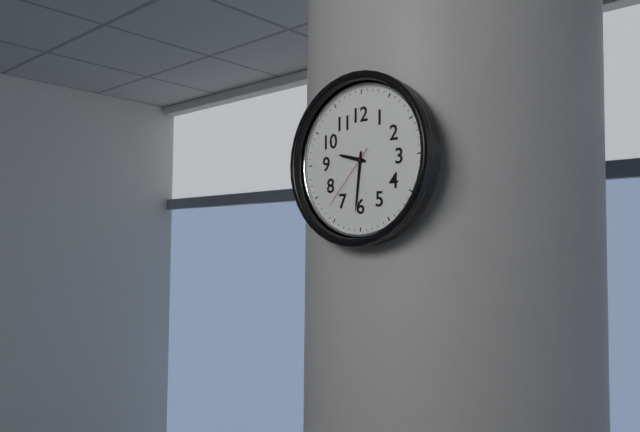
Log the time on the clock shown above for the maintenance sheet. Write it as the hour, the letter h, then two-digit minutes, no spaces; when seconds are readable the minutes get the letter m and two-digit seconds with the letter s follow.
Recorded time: 9h31m37s
